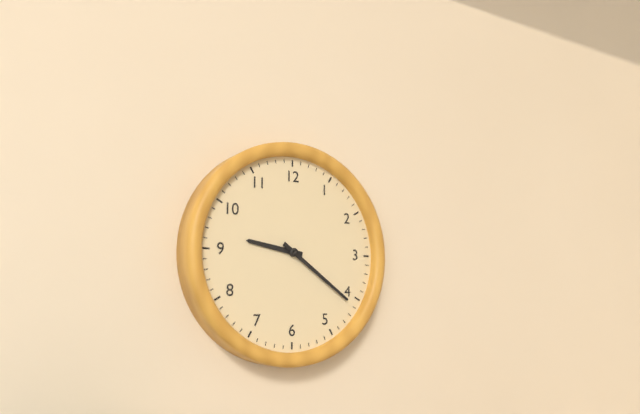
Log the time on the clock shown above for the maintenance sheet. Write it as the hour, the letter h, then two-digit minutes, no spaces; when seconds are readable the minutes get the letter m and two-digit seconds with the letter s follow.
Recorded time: 9h21
